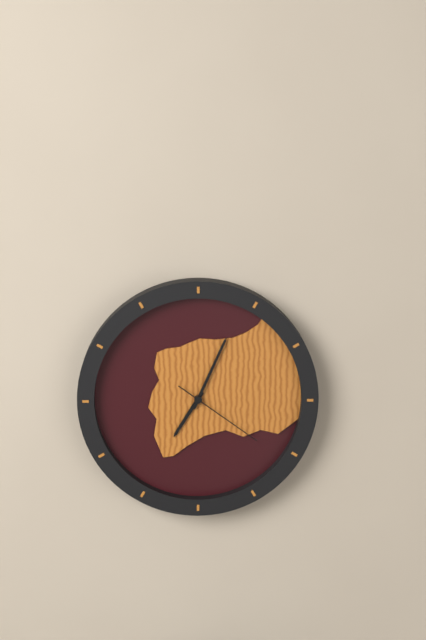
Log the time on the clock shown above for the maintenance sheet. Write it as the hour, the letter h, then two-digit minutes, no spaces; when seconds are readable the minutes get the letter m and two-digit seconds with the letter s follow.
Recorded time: 7h04m21s
